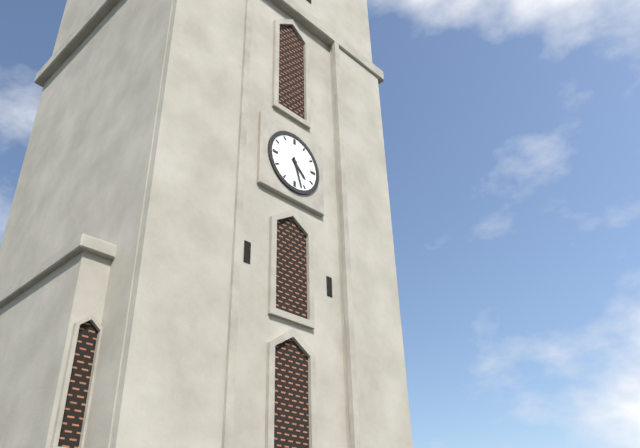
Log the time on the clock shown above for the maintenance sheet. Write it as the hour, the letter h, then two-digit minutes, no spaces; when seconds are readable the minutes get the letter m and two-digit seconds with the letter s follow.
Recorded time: 4h27
